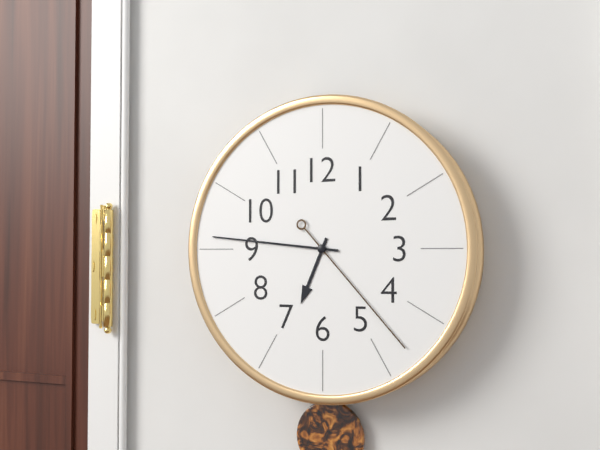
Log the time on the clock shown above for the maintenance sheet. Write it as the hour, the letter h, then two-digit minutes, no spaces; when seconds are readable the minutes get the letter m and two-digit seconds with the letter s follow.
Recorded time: 6h46m23s
